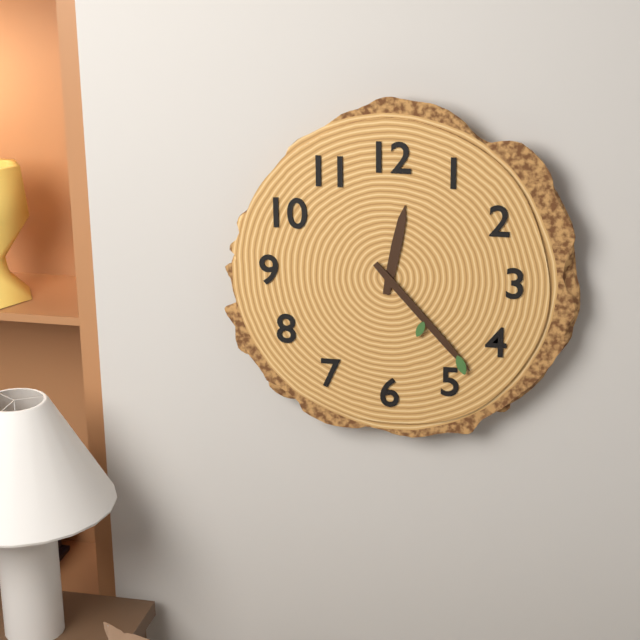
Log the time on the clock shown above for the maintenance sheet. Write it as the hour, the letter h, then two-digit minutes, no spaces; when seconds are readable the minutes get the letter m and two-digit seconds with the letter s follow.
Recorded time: 12h23
